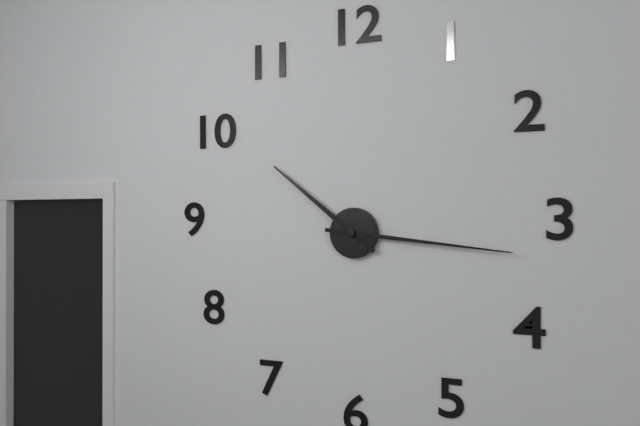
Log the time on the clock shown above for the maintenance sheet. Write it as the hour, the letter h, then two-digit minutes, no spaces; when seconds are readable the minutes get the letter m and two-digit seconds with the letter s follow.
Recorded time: 10h16
